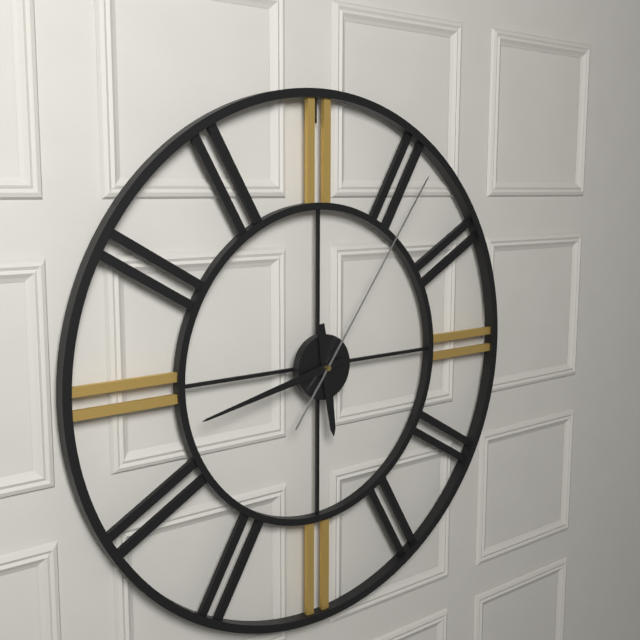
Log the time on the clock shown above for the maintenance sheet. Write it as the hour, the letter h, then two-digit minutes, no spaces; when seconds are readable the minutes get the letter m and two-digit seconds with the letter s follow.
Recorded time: 5h43m06s
